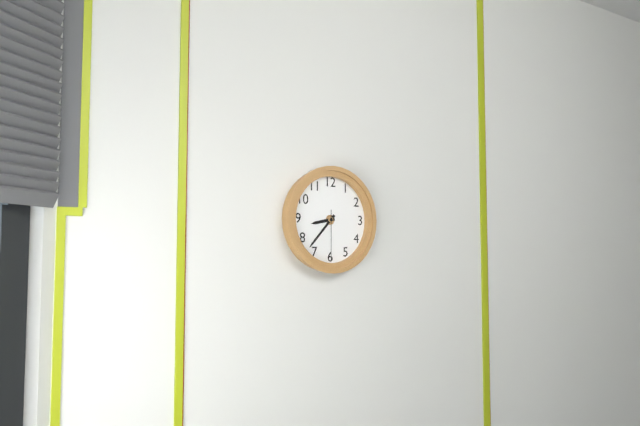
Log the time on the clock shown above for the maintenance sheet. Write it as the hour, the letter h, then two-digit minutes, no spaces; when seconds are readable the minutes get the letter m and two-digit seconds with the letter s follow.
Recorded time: 8h37m30s
